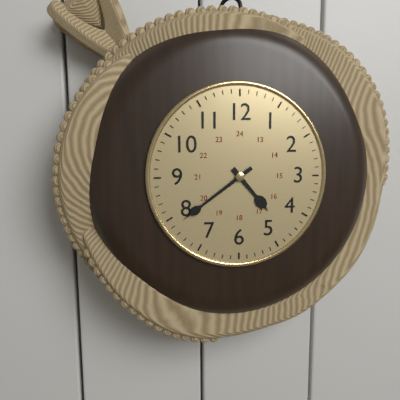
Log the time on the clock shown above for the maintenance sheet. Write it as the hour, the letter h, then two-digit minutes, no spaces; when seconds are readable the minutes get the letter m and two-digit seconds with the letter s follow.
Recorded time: 4h39
